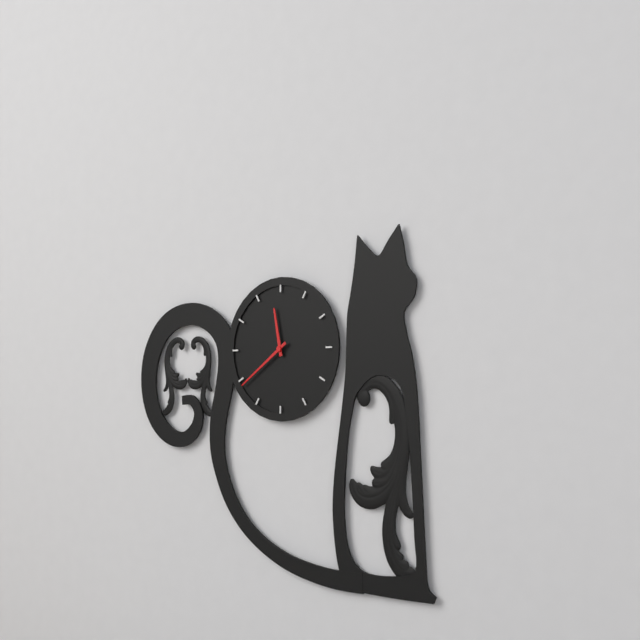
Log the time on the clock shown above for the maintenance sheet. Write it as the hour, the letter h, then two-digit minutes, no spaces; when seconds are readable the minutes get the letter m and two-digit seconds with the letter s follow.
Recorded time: 11h39
